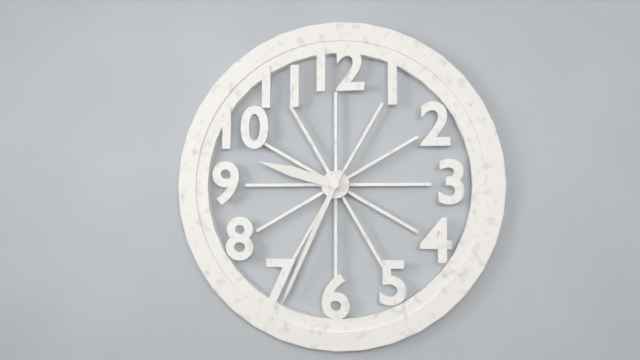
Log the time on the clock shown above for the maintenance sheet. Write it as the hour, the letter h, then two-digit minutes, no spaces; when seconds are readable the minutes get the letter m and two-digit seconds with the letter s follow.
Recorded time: 9h34
